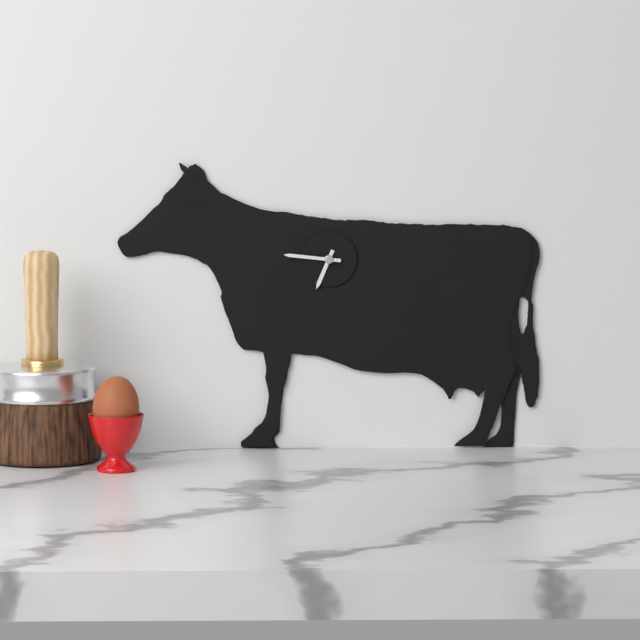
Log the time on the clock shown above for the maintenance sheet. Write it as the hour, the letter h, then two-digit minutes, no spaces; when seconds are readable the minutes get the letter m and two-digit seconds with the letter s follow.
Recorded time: 6h46
